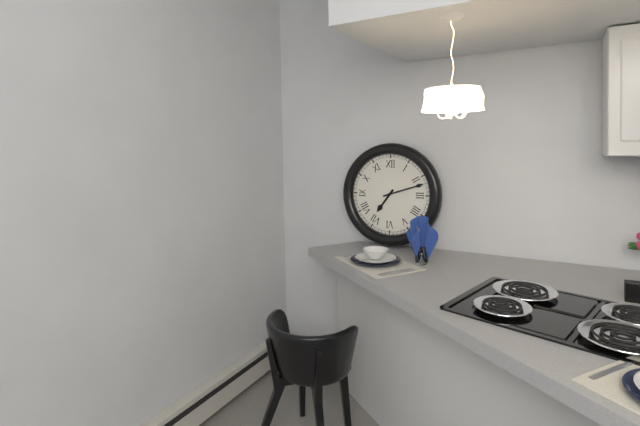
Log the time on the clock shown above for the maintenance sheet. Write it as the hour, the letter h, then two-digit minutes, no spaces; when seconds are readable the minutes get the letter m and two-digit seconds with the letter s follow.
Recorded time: 7h12
